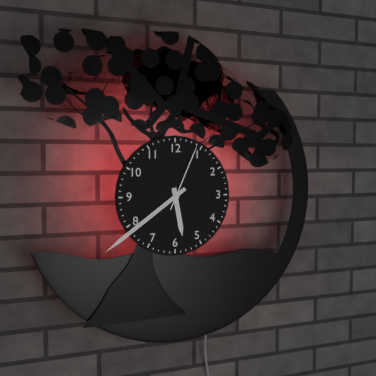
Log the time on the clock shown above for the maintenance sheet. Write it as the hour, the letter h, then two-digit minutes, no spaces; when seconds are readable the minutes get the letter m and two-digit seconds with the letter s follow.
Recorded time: 5h39m04s
